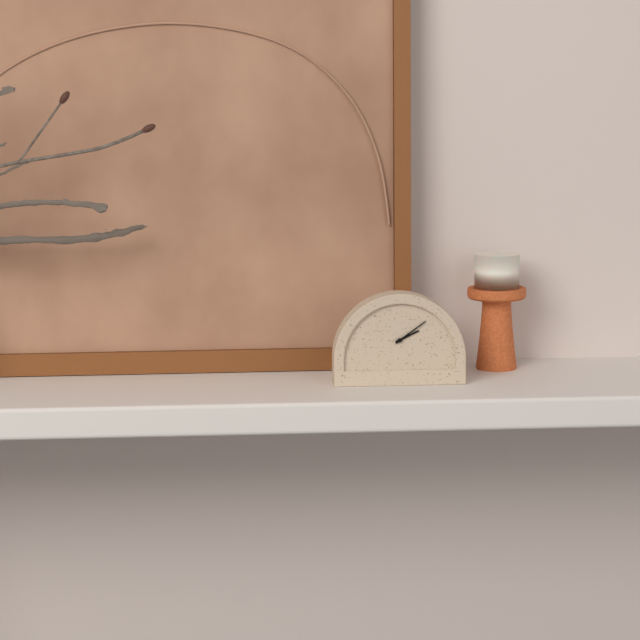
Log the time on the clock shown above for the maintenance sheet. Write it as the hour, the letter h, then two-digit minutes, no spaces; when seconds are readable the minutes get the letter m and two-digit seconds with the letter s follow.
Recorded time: 2h09
